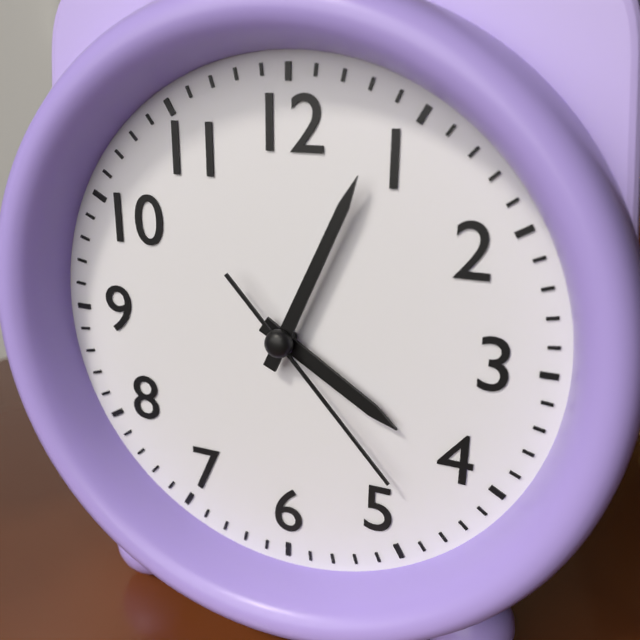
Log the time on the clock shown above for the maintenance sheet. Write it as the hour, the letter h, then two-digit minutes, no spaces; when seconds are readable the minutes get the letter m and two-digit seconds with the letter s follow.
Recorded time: 4h04m23s
